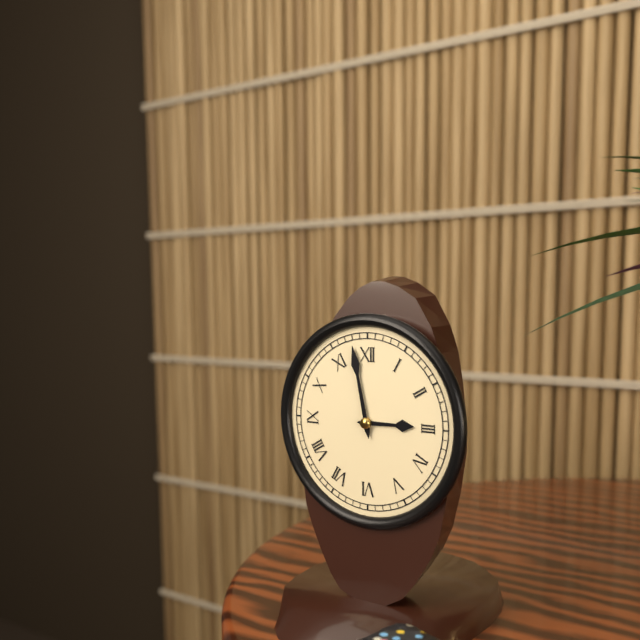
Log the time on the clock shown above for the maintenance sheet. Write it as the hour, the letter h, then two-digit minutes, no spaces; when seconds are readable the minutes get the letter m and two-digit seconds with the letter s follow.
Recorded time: 2h58
